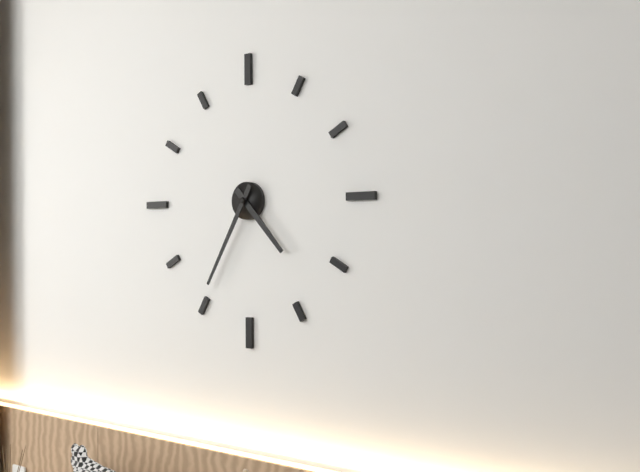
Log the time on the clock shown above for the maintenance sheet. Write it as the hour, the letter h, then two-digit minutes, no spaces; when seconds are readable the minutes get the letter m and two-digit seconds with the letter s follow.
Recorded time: 4h35
